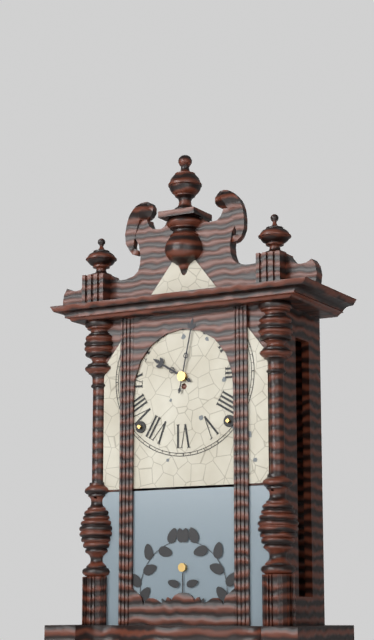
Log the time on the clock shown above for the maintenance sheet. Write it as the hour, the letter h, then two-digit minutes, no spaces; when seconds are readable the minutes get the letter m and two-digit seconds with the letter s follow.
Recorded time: 10h02
